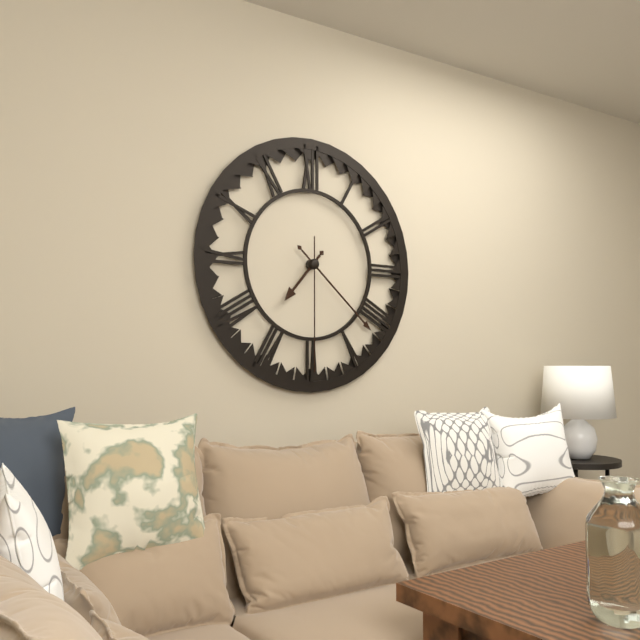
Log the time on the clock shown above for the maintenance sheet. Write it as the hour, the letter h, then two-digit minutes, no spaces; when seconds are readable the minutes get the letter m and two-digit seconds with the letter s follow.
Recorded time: 7h22m30s
